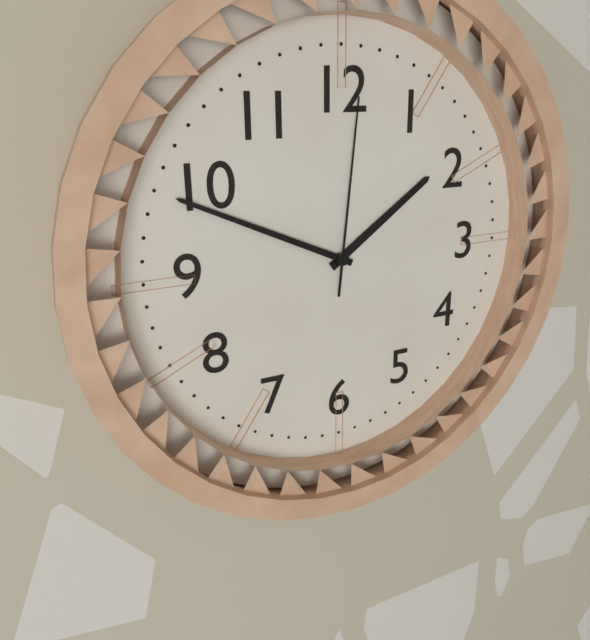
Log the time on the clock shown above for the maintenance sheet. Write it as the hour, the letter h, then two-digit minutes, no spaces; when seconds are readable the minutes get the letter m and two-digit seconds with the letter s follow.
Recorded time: 1h49m01s
